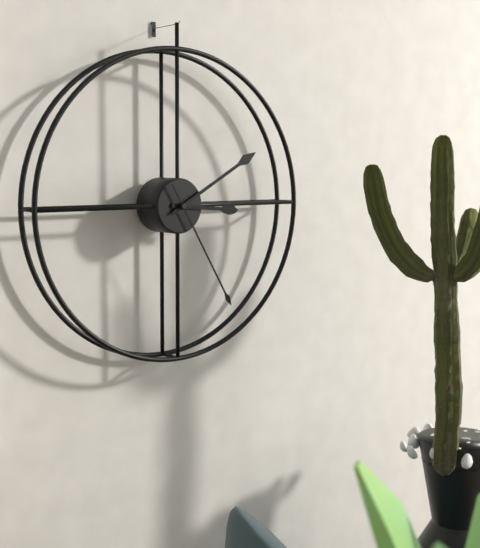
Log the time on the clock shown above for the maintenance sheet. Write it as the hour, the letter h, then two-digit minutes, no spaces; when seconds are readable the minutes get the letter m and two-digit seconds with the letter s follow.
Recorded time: 3h10m25s
